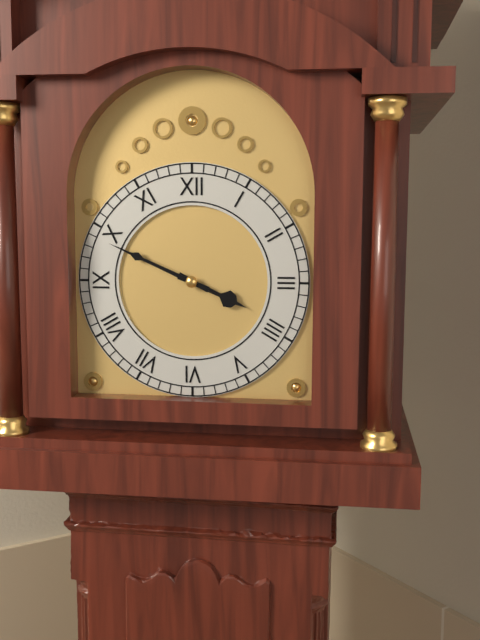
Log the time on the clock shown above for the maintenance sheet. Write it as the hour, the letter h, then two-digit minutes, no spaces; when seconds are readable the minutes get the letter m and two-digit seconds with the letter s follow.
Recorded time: 3h49
